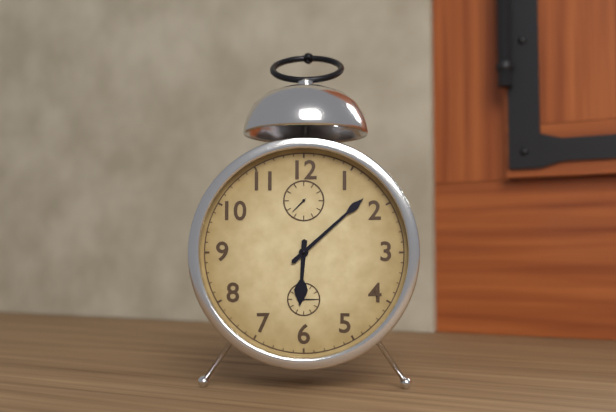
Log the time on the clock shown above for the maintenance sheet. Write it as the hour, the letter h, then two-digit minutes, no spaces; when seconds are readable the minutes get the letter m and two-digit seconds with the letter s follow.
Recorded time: 6h08
